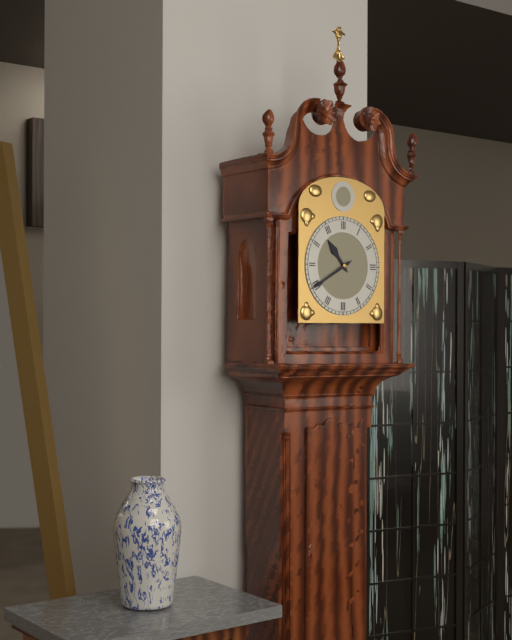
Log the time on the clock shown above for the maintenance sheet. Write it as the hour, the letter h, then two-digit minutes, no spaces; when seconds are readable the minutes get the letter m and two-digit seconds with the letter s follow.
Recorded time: 10h40
